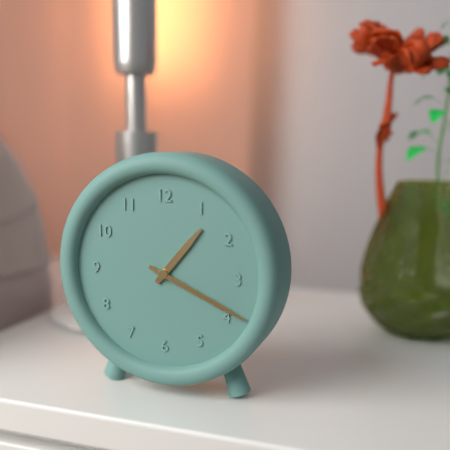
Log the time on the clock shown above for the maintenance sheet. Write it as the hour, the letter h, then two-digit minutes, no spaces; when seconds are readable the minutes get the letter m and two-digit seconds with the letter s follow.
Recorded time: 1h19
